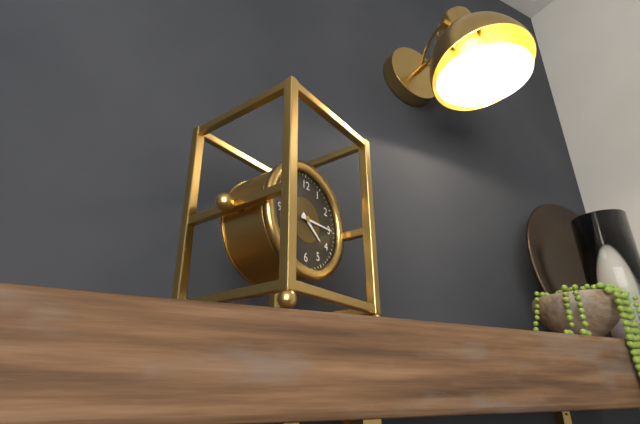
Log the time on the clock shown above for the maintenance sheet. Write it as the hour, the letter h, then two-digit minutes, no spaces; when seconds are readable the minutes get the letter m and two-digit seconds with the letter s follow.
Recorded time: 4h15
